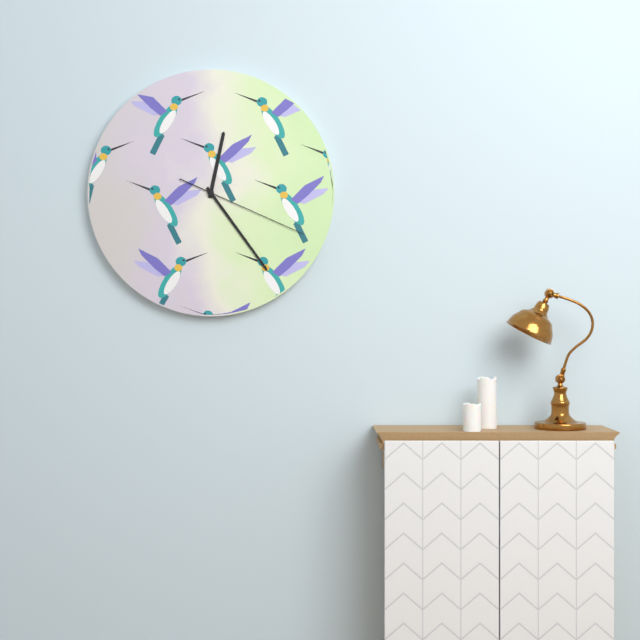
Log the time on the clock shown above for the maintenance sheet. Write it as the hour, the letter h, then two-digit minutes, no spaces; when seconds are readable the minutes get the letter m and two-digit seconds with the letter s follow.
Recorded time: 12h24m19s
